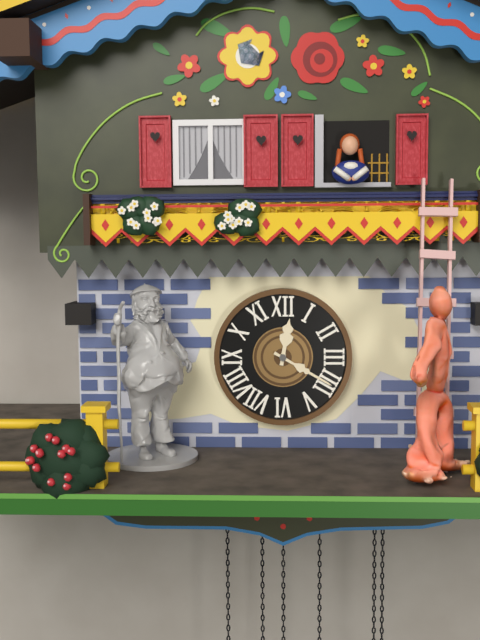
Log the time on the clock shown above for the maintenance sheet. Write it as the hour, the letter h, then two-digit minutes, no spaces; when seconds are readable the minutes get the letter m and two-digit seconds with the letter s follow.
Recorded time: 12h20
